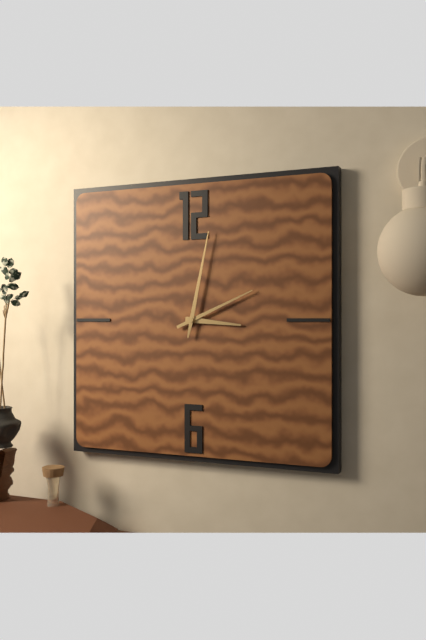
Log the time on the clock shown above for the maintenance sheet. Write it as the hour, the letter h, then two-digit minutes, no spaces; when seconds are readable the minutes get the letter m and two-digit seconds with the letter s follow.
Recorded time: 3h11m02s
